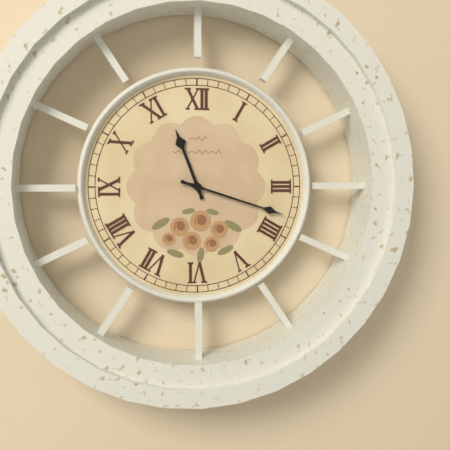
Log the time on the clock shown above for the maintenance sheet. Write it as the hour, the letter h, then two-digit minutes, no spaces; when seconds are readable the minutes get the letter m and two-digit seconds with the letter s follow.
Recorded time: 11h18
